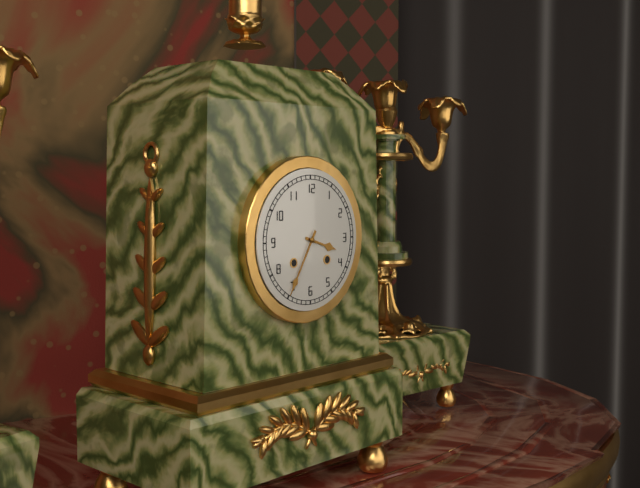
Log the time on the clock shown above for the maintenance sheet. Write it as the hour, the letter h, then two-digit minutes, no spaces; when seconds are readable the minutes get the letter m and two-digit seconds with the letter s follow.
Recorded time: 3h35
